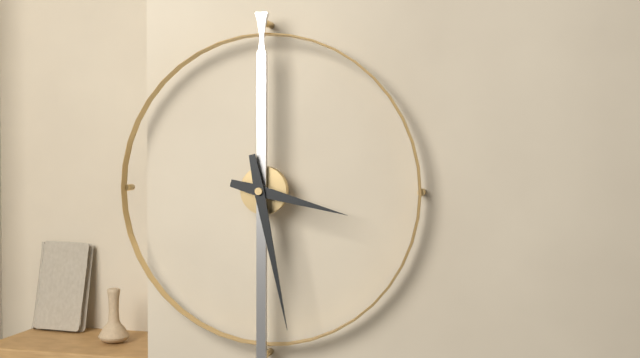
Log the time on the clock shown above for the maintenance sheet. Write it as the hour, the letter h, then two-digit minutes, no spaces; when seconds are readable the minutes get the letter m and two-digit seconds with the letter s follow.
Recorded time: 3h28
